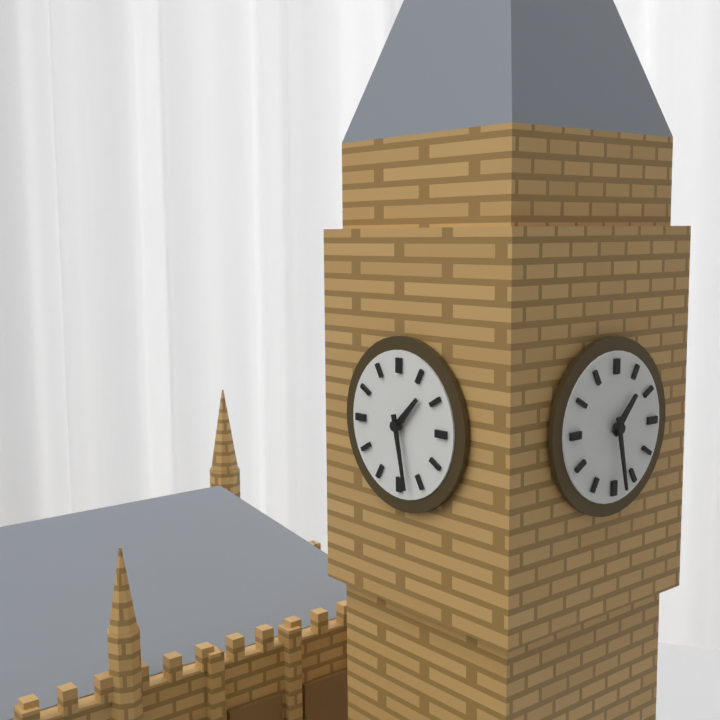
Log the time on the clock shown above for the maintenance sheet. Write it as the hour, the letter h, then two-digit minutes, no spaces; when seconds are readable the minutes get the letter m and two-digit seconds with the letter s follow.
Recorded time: 1h28
